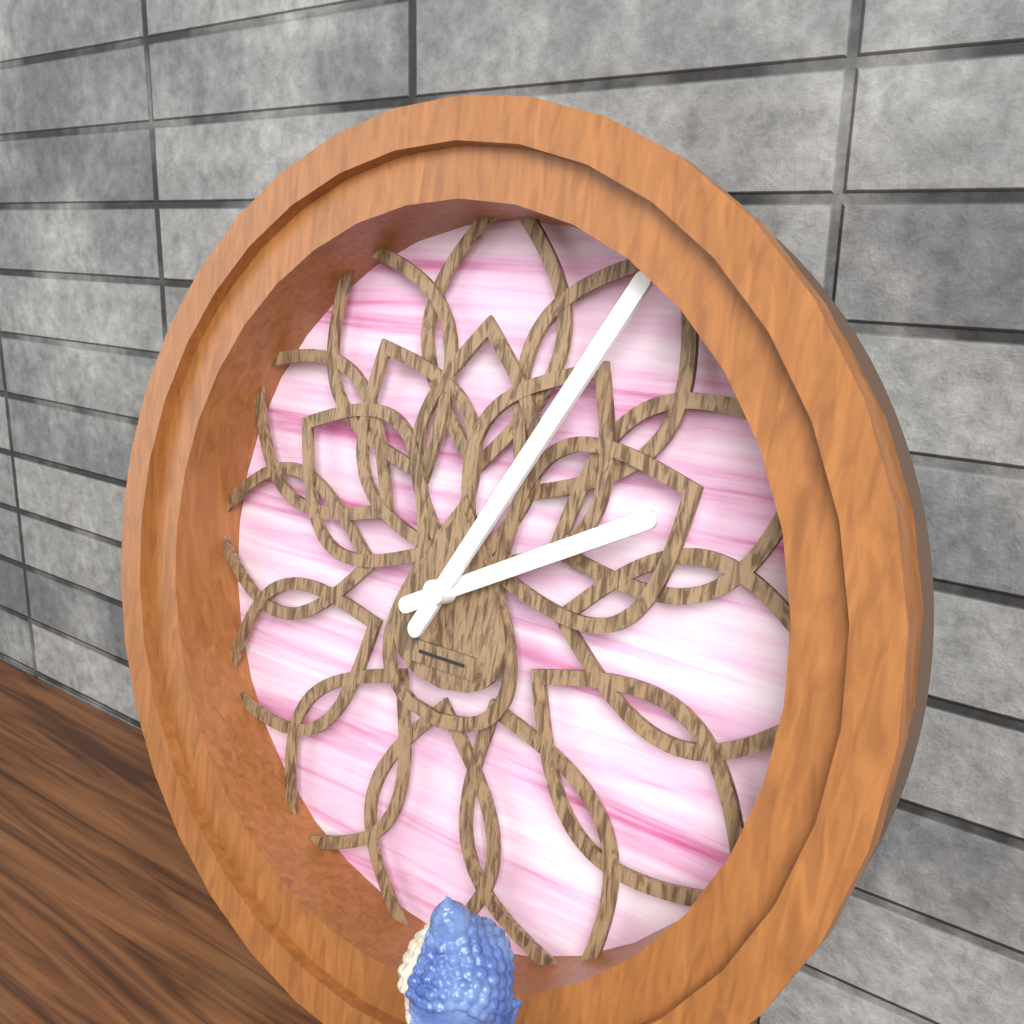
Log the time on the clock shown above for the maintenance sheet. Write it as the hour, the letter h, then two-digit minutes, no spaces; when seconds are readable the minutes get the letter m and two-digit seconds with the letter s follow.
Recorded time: 2h05
